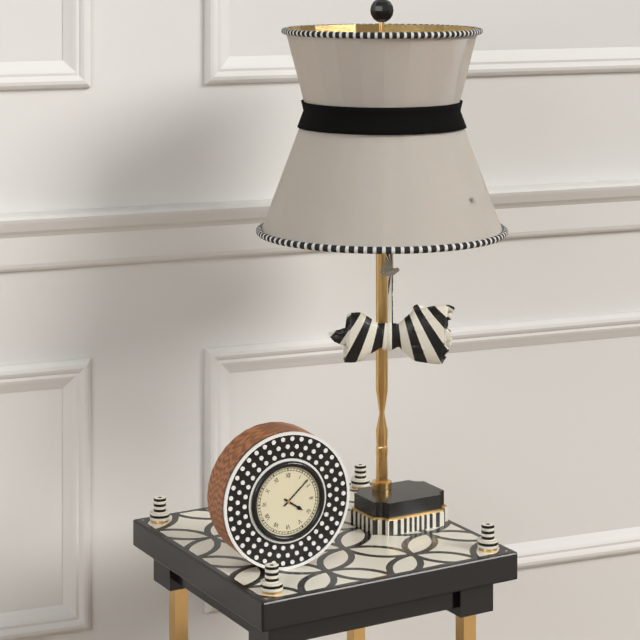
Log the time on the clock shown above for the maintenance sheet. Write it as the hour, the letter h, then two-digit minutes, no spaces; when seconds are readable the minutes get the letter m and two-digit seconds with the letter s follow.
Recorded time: 4h08
